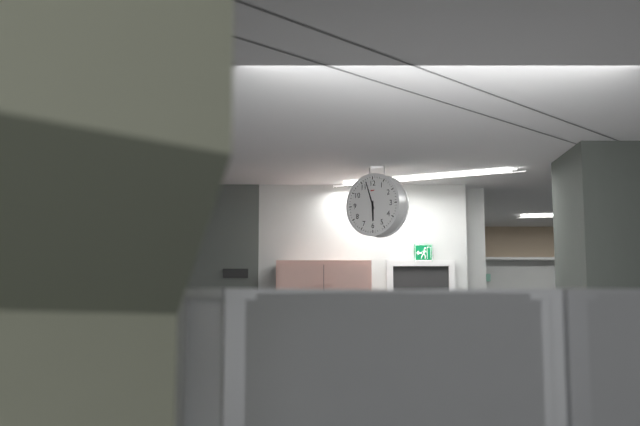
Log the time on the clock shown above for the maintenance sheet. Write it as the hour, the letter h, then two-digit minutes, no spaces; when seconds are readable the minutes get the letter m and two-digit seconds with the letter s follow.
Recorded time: 5h57
